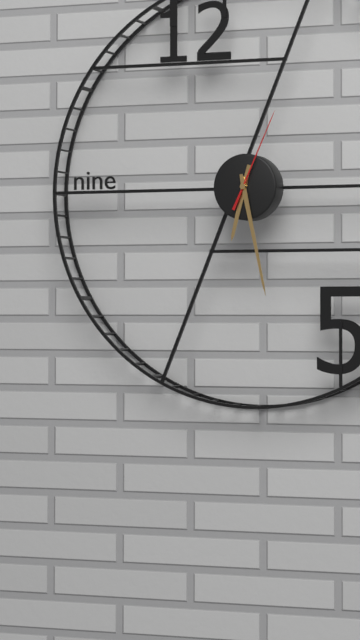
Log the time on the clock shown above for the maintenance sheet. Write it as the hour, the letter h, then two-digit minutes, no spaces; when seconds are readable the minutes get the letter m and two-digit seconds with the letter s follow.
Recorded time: 6h28m04s
